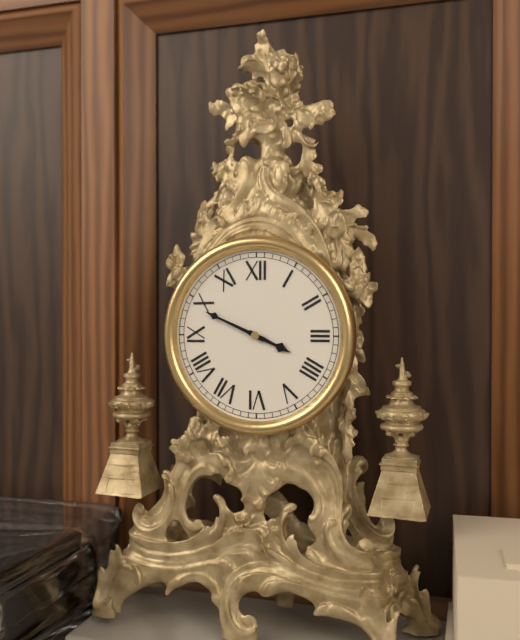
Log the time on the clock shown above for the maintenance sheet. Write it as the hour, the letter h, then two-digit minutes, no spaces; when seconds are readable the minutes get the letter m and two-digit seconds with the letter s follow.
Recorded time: 3h49
